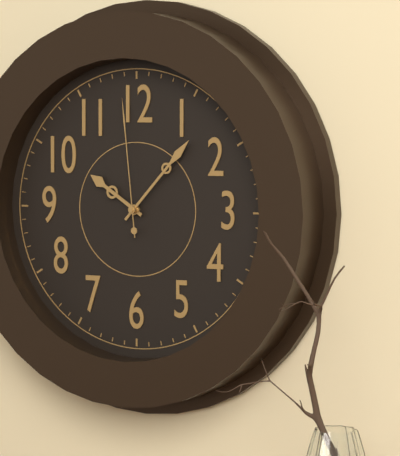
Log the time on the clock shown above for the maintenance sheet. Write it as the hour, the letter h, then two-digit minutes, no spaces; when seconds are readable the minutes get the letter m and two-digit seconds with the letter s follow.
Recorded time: 10h07m59s
